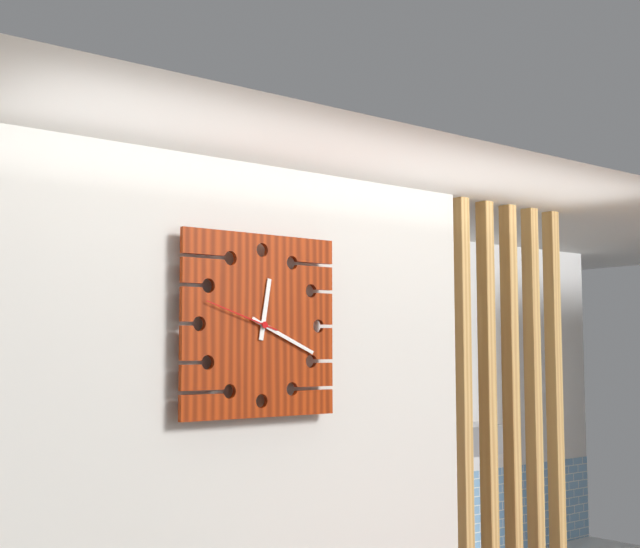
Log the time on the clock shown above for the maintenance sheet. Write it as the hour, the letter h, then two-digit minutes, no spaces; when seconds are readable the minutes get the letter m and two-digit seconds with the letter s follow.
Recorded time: 12h19m48s
